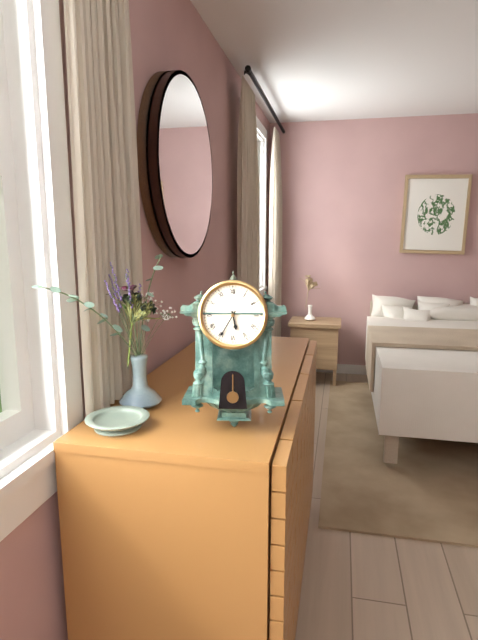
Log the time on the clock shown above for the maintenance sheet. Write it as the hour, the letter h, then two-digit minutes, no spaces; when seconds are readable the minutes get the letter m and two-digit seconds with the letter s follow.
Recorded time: 5h35
